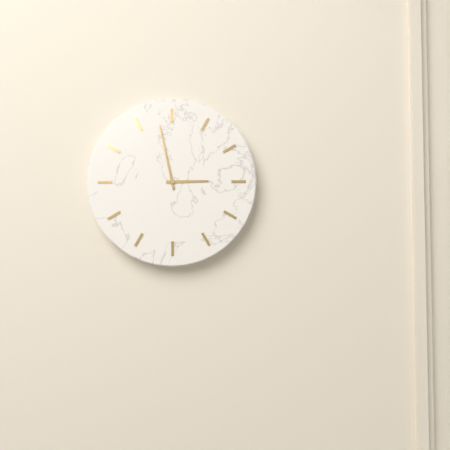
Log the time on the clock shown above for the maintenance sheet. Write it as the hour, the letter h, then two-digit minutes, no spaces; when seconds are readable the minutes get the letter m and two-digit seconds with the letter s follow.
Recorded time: 2h58
